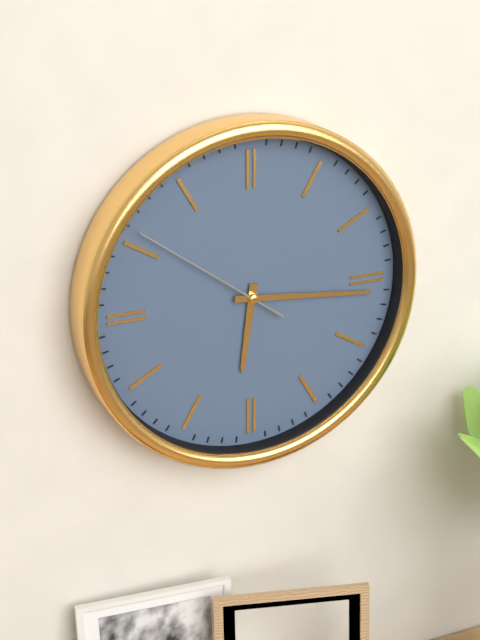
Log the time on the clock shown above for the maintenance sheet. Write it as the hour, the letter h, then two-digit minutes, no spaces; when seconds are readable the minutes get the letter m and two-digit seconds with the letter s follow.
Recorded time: 6h16m51s
